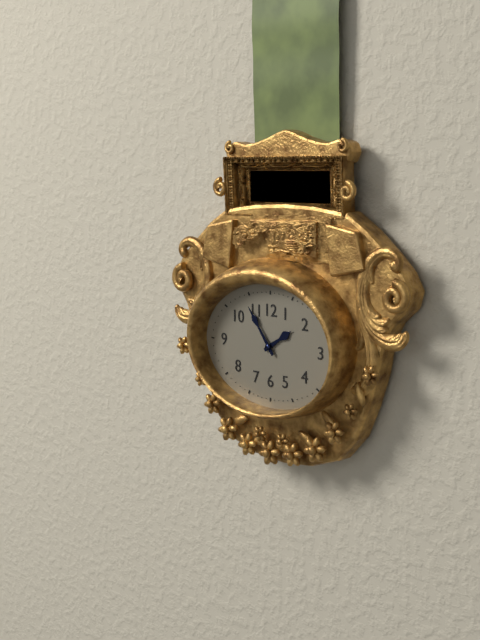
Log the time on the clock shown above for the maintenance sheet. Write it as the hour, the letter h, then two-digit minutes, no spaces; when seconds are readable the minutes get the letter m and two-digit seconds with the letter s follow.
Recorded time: 1h54
